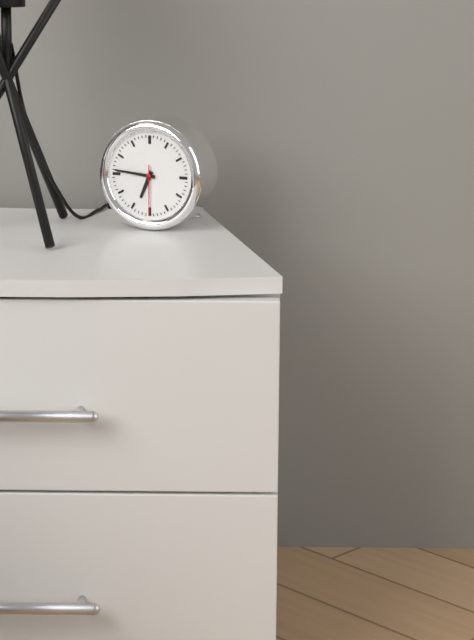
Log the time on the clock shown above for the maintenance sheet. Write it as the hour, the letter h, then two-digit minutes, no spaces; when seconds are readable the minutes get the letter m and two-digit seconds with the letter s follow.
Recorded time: 6h46m30s
